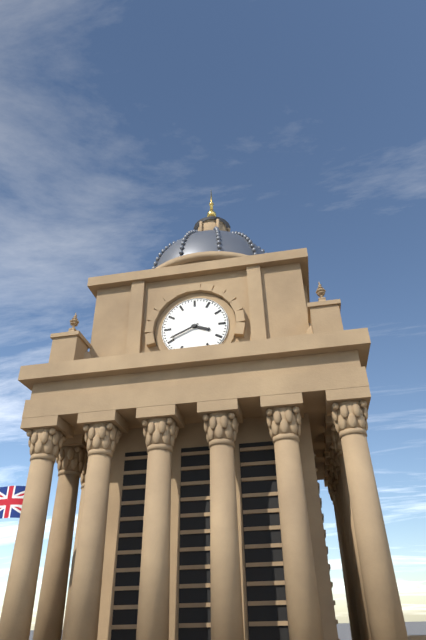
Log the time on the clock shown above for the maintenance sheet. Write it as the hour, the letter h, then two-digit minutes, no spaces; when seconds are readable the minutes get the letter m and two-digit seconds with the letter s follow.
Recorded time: 3h41
